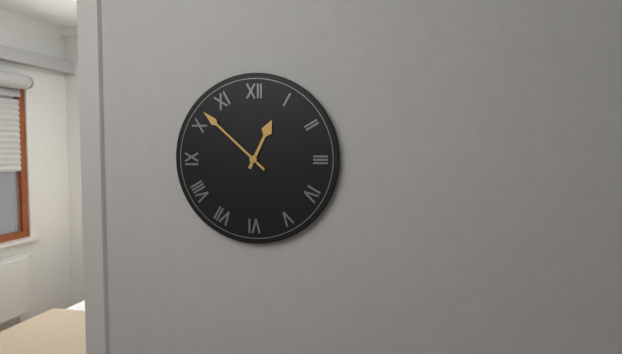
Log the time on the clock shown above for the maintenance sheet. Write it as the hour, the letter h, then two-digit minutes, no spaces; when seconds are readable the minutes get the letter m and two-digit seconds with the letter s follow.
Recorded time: 12h52
